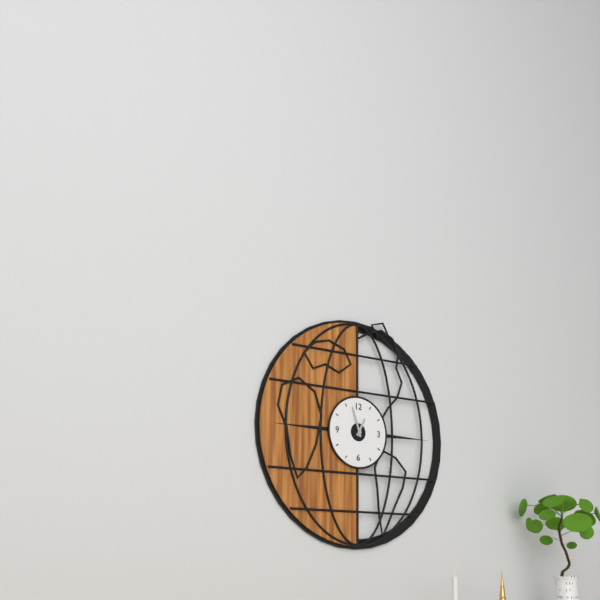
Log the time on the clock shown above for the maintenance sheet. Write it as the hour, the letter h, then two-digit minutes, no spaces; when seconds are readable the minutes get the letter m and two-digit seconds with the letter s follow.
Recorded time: 12h57
